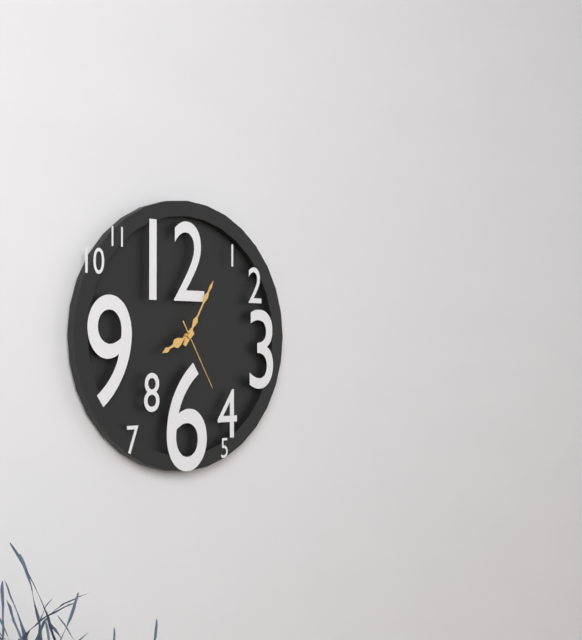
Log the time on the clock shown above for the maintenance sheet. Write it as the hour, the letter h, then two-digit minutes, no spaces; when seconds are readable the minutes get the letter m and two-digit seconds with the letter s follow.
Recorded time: 8h05m25s
